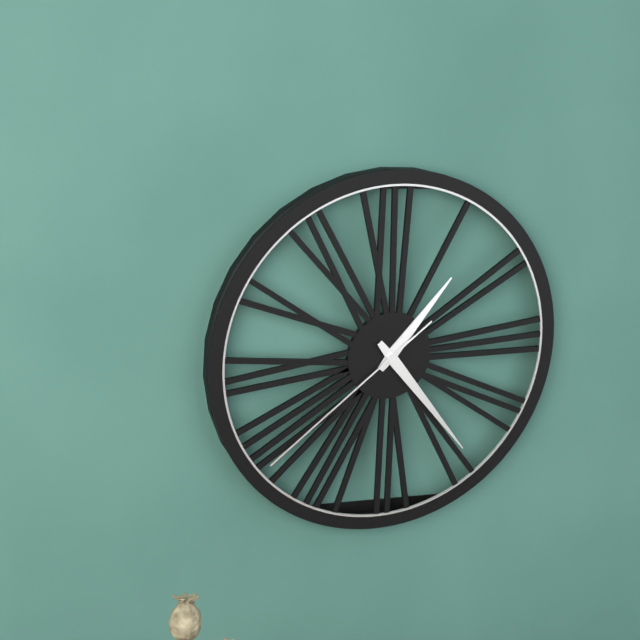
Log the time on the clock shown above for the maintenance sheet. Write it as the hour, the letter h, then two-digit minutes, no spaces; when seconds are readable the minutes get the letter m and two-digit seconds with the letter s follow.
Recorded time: 1h24m39s
